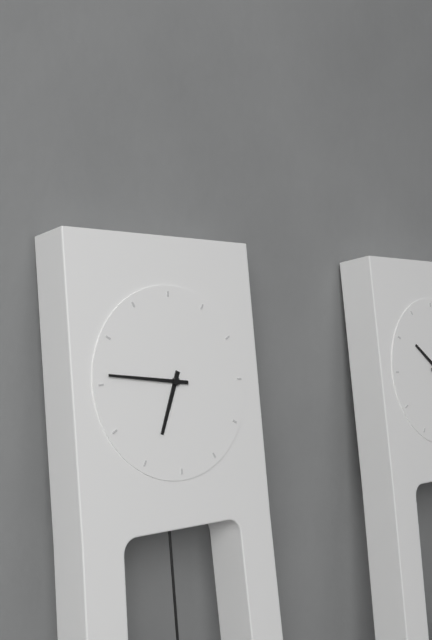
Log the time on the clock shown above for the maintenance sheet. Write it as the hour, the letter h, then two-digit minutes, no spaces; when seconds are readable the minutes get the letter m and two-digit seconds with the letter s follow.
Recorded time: 6h46
